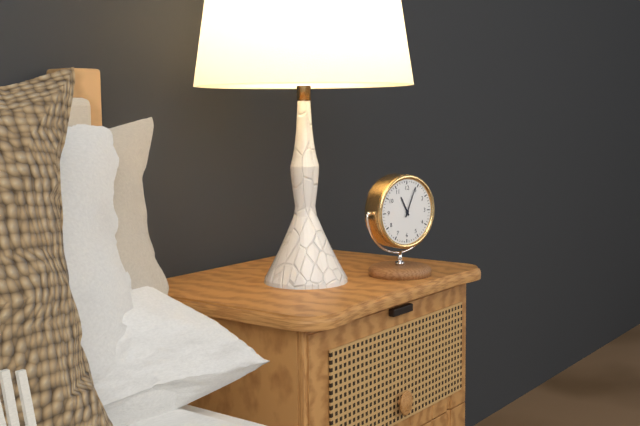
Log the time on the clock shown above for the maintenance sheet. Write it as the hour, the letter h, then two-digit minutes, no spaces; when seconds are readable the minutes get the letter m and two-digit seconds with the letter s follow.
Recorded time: 11h04
